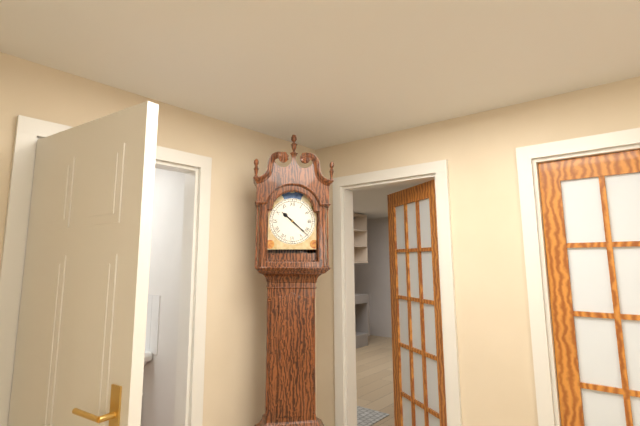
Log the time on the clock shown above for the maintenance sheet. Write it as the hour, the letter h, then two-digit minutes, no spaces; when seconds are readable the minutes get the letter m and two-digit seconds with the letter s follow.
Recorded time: 10h22
